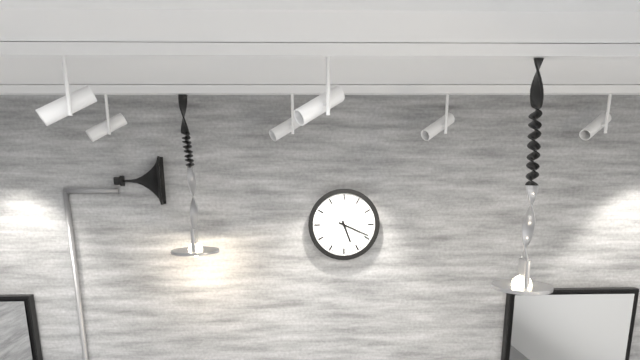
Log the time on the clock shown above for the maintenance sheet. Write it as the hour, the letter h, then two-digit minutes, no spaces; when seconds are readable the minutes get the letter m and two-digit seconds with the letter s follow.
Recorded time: 5h19
